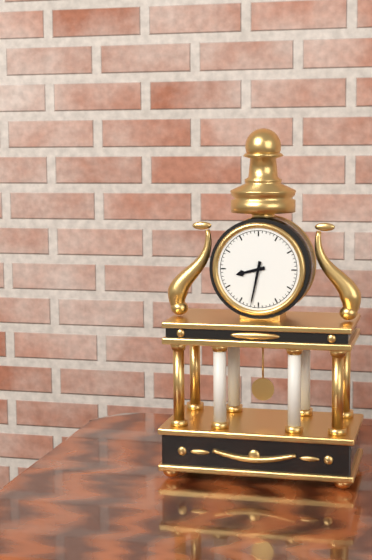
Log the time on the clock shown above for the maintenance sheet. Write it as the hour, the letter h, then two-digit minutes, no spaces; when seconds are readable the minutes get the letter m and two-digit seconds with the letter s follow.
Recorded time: 8h32
